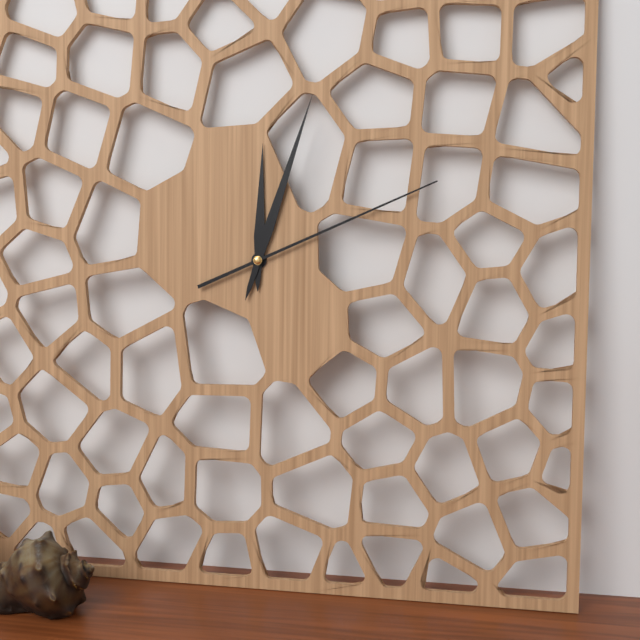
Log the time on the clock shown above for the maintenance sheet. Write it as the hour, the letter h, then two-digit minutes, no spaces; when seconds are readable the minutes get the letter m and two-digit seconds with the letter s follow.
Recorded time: 12h03m11s
